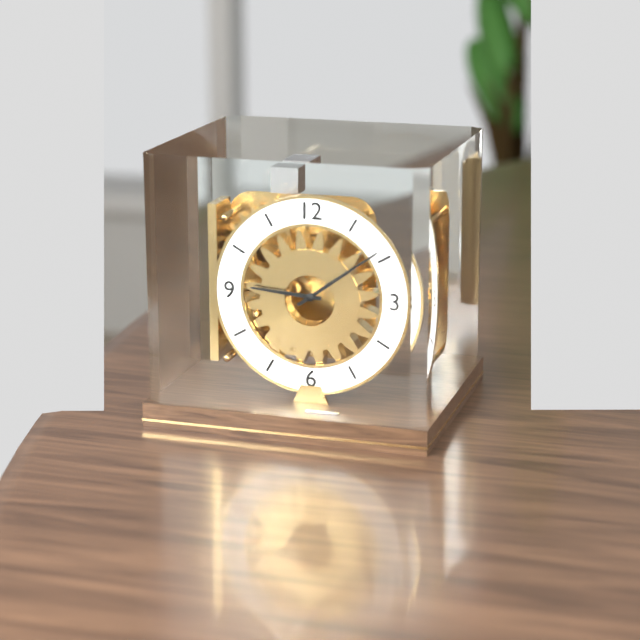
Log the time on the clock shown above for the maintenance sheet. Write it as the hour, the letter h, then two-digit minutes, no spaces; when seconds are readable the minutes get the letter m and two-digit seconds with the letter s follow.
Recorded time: 9h09
